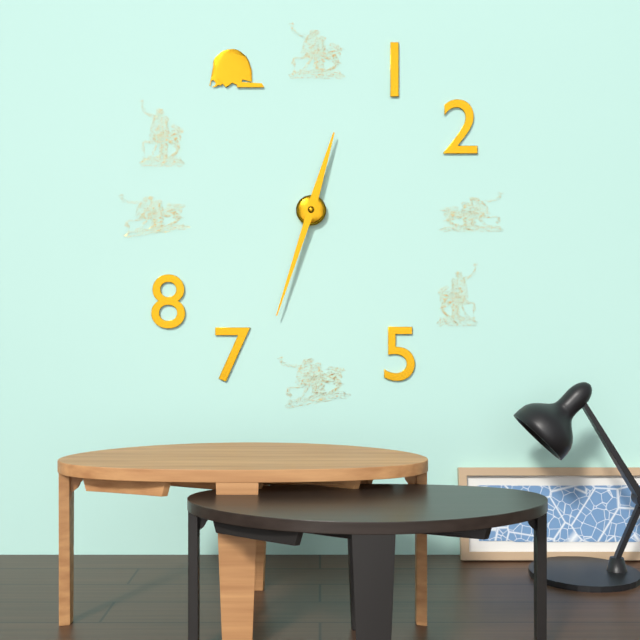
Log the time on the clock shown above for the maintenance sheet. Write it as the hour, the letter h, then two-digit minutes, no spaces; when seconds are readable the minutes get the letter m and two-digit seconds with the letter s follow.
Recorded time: 12h33
